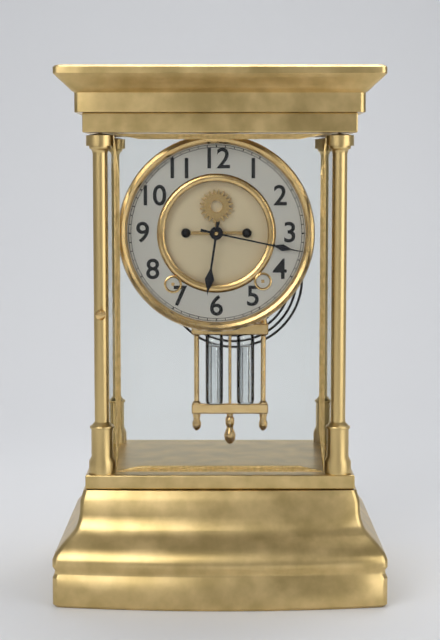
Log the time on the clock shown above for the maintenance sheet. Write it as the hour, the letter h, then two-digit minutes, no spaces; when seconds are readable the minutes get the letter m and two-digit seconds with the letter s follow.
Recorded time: 6h17
